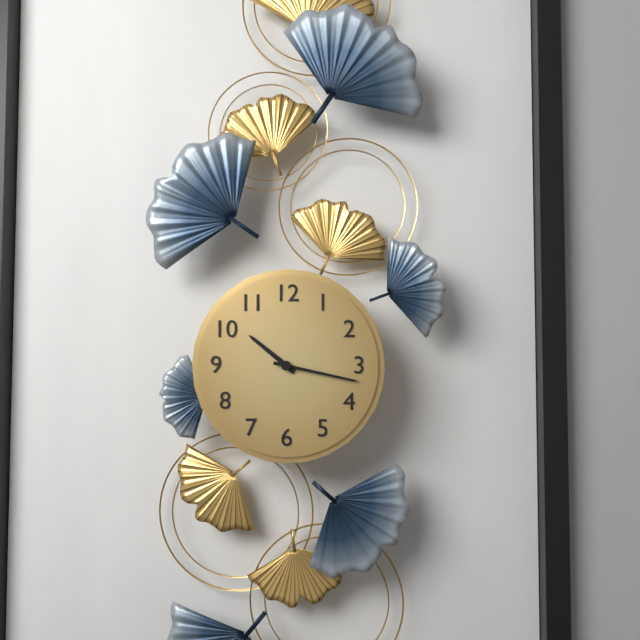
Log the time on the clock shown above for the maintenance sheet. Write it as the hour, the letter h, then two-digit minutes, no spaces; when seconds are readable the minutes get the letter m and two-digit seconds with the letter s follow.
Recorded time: 10h17
